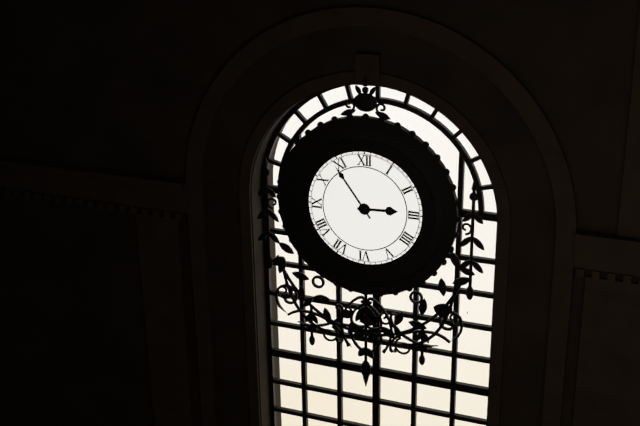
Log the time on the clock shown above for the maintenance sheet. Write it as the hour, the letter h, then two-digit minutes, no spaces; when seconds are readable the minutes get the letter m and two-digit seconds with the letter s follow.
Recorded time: 2h54
